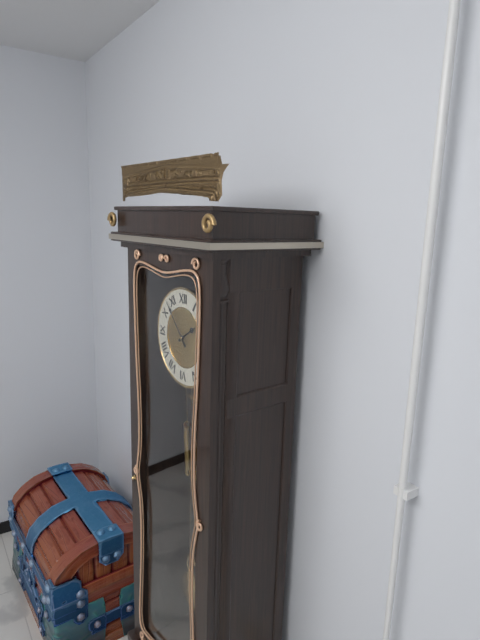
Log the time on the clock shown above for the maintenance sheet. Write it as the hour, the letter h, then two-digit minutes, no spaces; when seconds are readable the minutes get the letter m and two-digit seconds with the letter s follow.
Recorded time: 1h53
